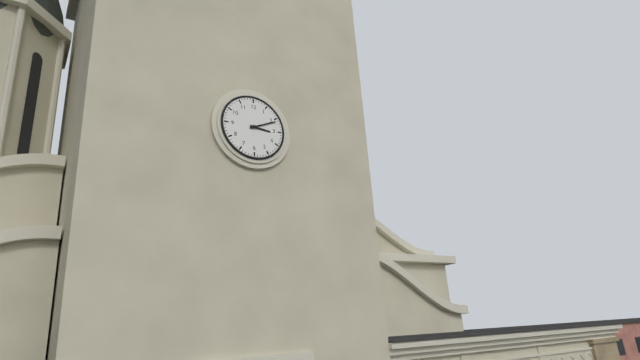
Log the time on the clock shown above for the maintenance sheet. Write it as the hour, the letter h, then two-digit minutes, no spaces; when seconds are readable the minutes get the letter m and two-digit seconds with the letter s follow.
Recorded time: 3h11
